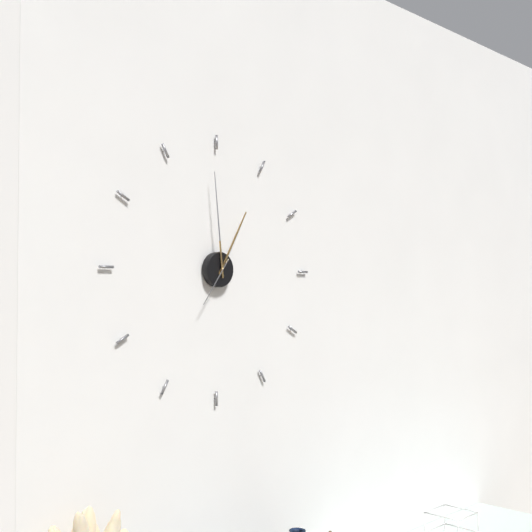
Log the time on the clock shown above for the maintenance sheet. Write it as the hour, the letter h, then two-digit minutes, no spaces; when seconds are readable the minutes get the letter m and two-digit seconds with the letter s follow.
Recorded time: 12h59m36s
